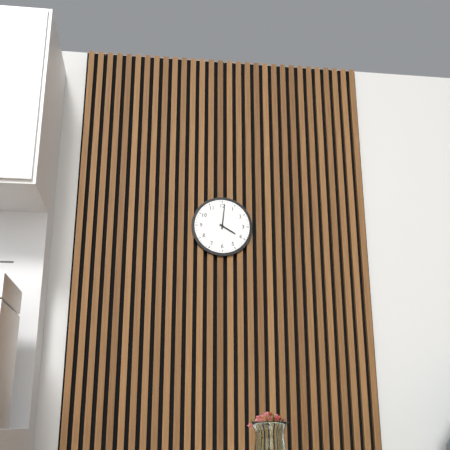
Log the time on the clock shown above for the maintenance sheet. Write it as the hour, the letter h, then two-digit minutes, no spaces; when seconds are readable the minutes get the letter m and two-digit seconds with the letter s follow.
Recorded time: 4h01
